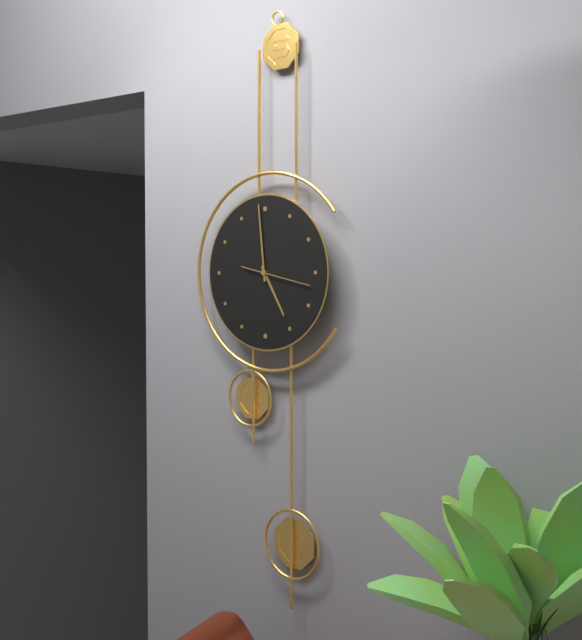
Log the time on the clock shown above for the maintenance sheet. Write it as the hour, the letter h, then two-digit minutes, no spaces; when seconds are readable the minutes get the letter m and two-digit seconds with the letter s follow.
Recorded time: 4h59m17s
